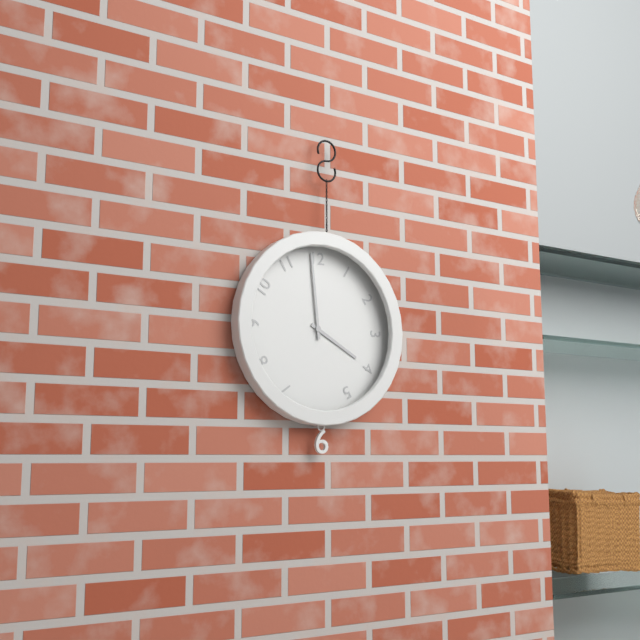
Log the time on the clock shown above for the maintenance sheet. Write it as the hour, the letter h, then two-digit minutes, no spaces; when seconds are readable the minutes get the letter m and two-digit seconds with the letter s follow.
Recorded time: 3h59
